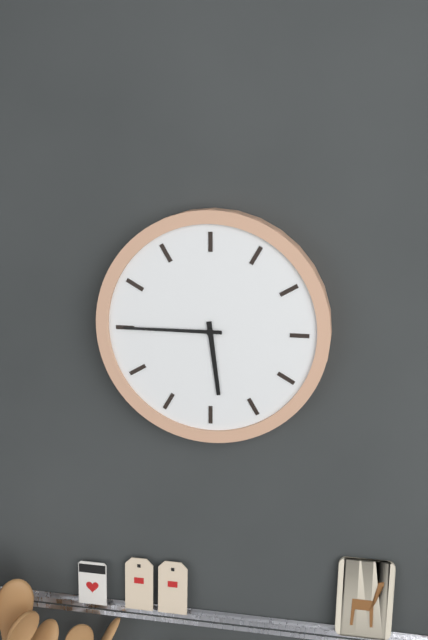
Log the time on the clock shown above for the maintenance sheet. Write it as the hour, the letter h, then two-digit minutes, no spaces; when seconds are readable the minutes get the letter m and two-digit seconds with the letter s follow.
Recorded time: 5h45
